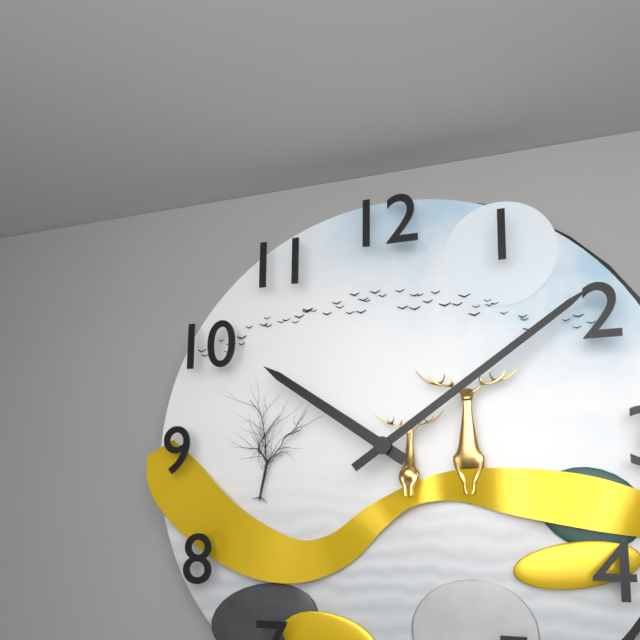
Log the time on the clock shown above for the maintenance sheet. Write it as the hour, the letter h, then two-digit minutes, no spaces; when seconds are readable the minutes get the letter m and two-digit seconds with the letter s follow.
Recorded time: 10h09
